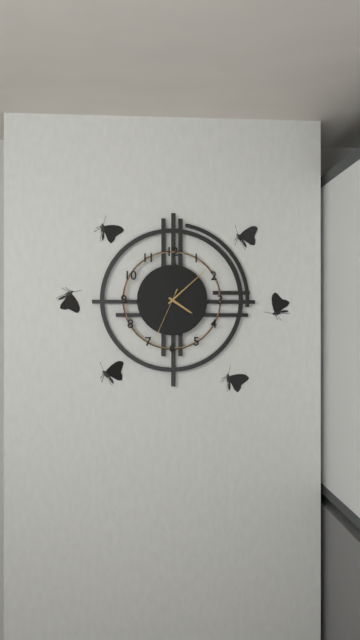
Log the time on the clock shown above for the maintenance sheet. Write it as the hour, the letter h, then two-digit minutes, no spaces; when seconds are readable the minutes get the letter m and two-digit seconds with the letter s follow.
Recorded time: 4h08m34s
